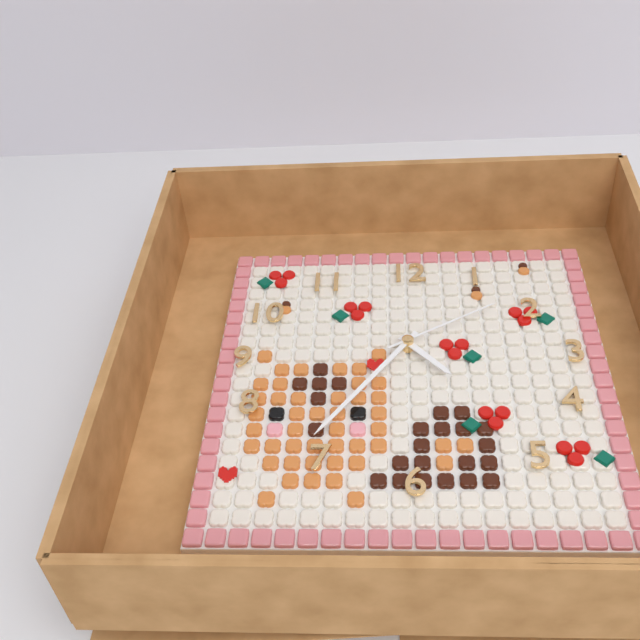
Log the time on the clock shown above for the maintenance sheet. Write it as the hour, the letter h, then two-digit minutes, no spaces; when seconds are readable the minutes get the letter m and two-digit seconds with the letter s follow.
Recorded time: 4h36m10s
